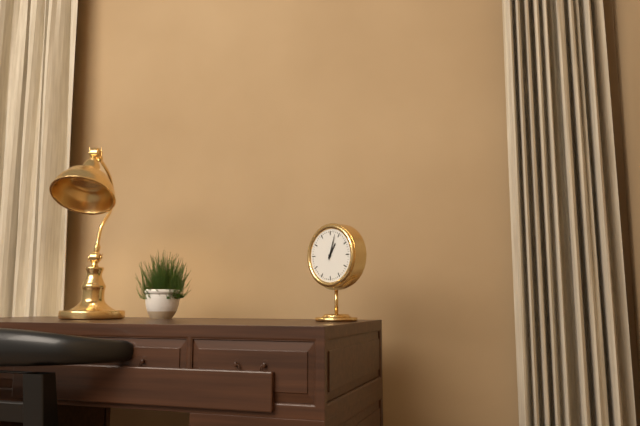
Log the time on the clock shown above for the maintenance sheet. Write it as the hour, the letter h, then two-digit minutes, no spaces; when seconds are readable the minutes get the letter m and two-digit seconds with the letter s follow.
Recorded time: 1h03
